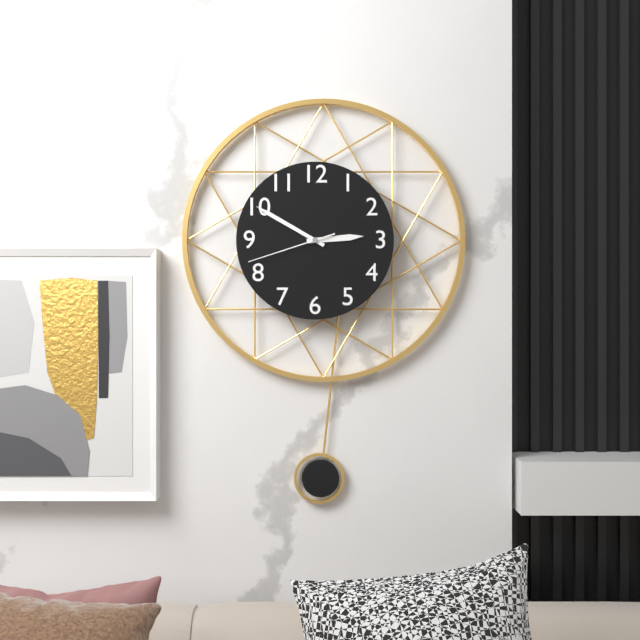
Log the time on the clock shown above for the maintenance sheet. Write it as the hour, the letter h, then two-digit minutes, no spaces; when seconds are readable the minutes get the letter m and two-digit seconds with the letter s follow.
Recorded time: 2h50m42s
